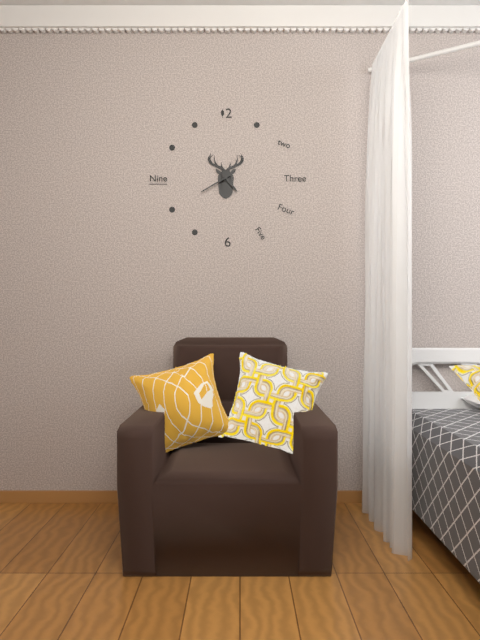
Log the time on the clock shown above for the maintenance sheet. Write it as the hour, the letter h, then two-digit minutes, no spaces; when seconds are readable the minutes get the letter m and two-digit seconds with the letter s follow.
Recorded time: 4h40
